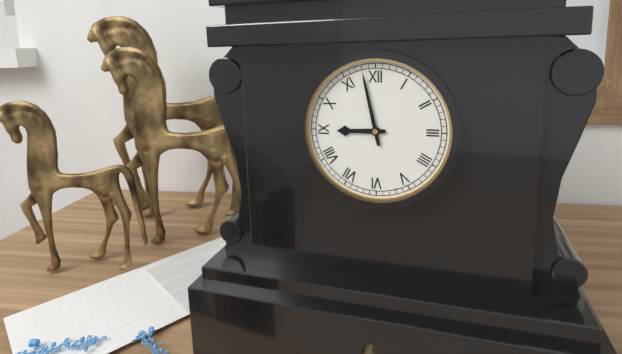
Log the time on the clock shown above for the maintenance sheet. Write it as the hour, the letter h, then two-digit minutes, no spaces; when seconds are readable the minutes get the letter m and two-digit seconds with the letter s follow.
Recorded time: 8h58
